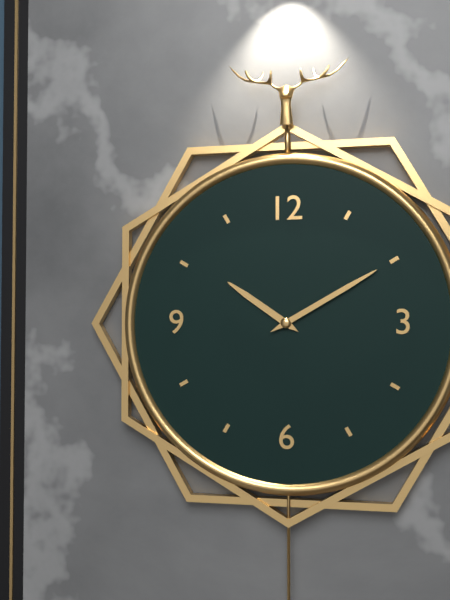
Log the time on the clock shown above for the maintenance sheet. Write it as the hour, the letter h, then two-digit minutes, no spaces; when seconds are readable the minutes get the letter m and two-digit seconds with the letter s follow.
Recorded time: 10h10
